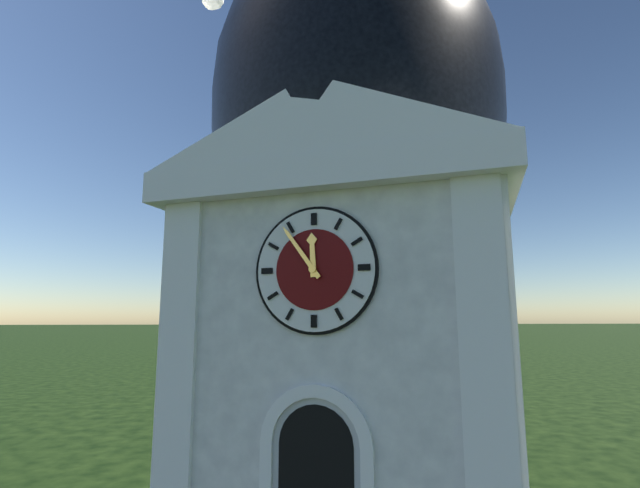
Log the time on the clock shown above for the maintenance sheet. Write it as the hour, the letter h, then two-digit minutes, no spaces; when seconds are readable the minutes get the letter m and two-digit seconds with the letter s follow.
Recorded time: 11h54
